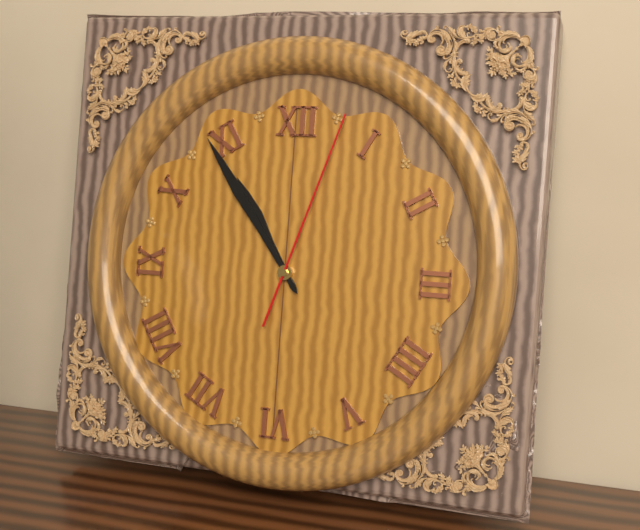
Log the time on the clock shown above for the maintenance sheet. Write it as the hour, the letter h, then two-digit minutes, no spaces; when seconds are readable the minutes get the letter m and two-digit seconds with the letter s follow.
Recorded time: 10h54m03s
